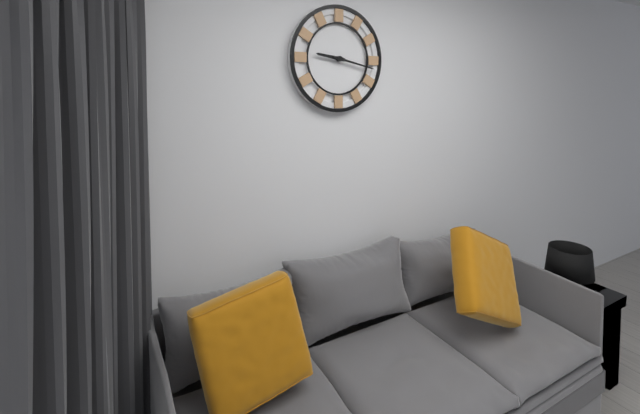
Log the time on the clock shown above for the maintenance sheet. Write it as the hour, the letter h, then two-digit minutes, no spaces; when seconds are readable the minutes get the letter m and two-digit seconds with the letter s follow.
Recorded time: 9h17
